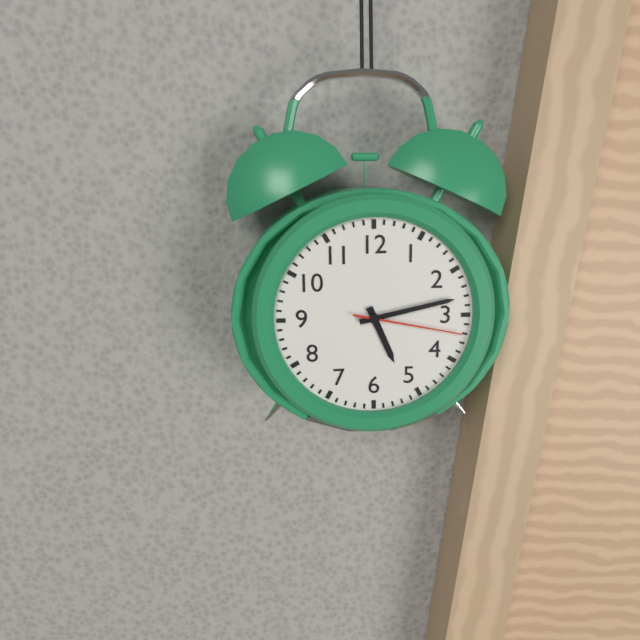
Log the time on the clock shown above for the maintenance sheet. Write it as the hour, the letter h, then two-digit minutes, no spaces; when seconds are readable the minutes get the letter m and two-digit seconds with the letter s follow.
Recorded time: 5h13m17s
